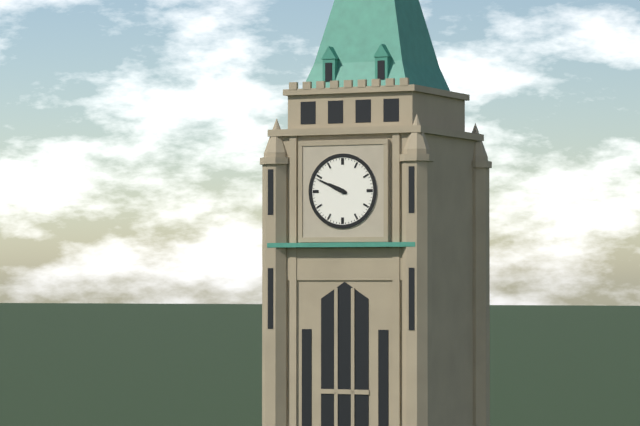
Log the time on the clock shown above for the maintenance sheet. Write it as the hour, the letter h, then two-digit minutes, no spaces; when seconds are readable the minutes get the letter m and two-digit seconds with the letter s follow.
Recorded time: 9h49
